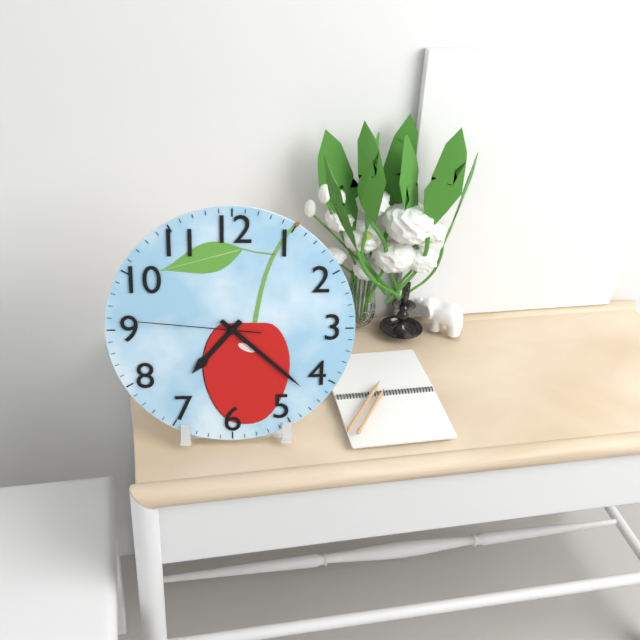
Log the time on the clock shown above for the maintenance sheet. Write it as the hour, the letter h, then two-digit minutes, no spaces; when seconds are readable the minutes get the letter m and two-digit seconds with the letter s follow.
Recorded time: 7h22m46s
